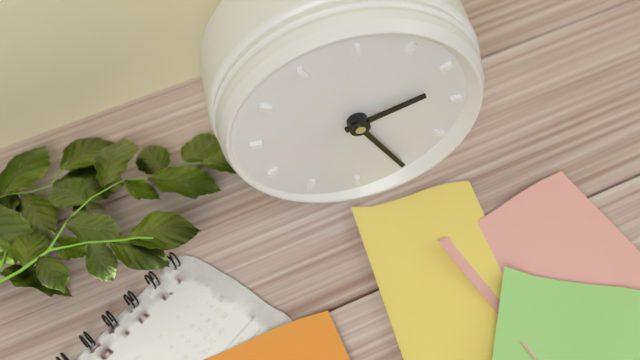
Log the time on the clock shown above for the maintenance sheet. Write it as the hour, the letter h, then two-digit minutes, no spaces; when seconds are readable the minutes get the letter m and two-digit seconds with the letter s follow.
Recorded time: 2h25
